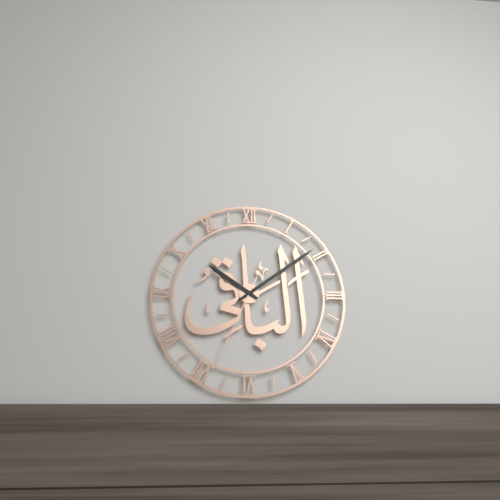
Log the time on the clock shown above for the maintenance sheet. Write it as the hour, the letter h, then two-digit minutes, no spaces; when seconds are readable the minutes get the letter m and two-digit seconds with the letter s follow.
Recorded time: 10h09m34s
